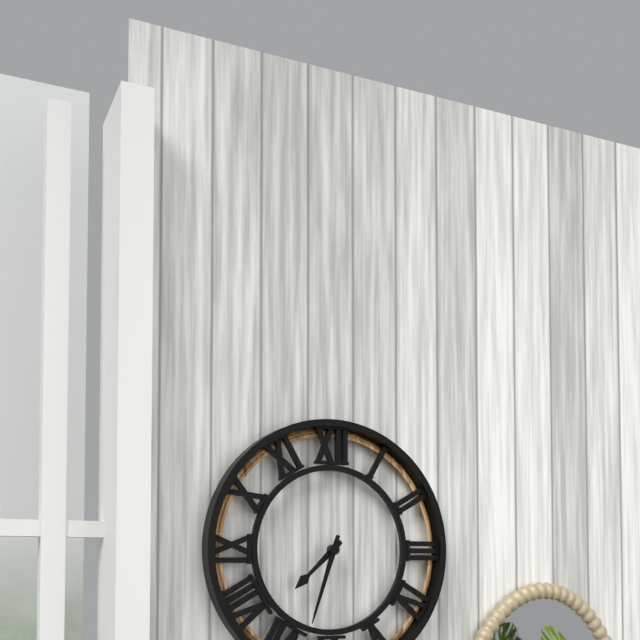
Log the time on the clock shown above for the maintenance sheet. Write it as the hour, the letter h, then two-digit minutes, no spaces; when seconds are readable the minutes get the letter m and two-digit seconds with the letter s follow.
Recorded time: 7h33
